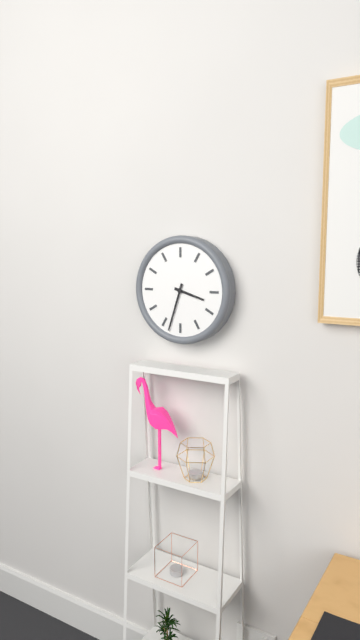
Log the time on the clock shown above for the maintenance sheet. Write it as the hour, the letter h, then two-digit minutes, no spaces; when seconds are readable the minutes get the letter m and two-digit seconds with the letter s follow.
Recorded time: 3h33
